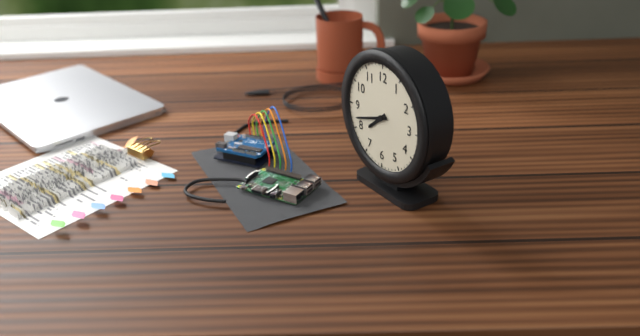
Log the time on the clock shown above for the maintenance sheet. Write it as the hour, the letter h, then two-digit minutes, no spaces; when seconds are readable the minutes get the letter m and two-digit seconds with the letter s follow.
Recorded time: 7h42
